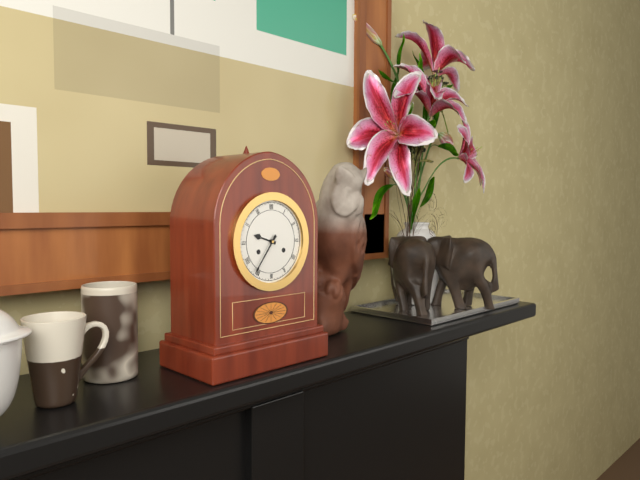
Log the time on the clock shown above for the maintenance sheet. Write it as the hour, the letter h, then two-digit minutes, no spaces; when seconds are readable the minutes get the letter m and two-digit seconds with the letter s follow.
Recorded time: 9h36
